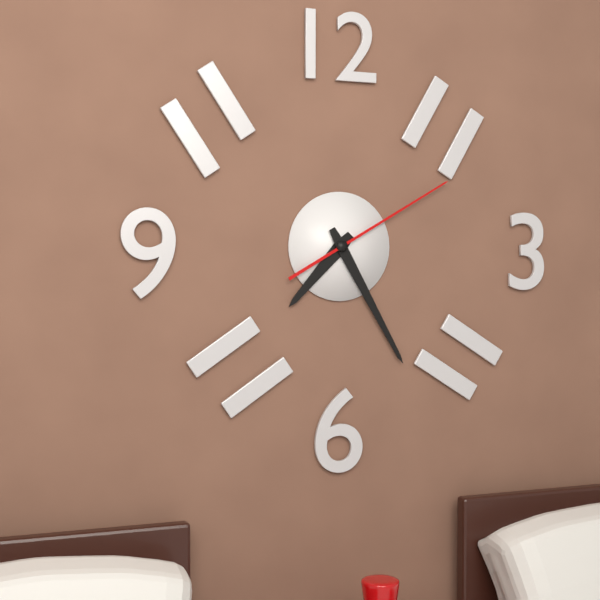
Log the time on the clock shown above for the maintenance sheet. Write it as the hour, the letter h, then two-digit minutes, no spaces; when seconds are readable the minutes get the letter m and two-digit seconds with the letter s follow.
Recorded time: 7h25m10s
